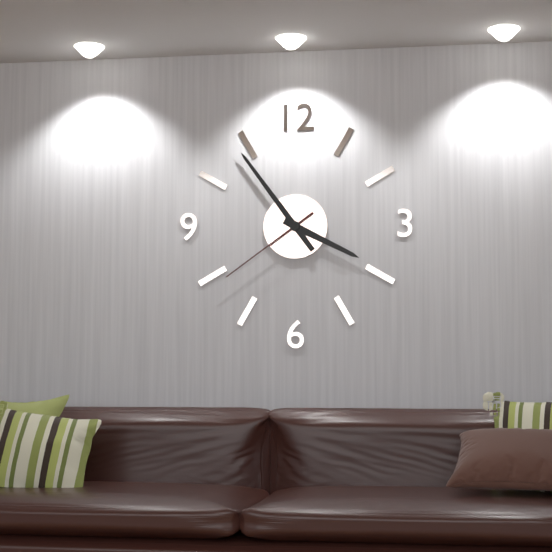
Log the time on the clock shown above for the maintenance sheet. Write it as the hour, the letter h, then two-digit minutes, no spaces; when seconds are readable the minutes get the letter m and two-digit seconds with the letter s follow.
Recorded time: 3h54m39s
